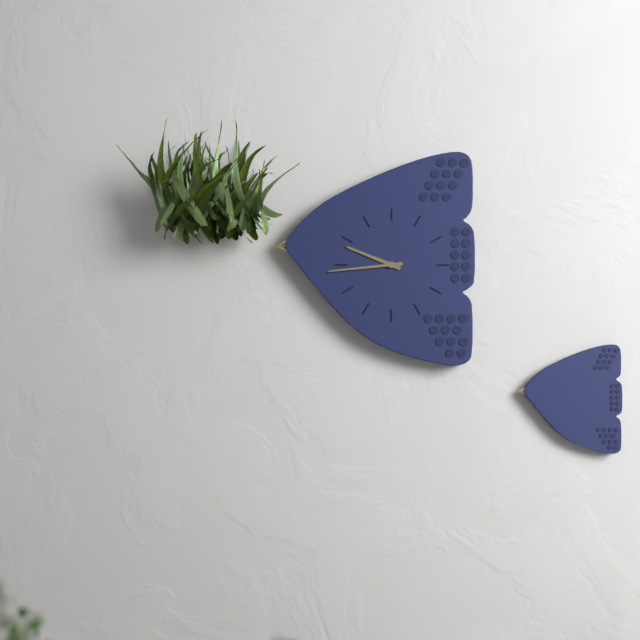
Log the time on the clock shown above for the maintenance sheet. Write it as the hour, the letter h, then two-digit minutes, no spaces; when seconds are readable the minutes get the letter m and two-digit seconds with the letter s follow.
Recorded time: 9h44
